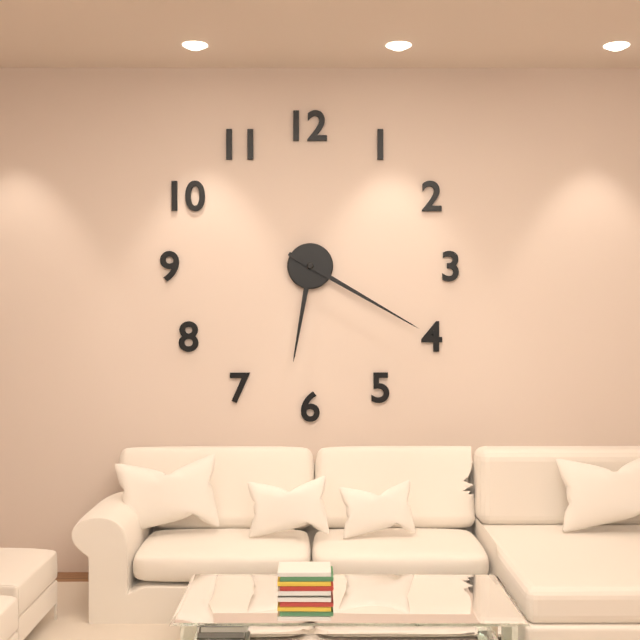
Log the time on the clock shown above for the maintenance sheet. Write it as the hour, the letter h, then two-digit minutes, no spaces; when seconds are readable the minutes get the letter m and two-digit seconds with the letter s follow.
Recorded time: 6h20
